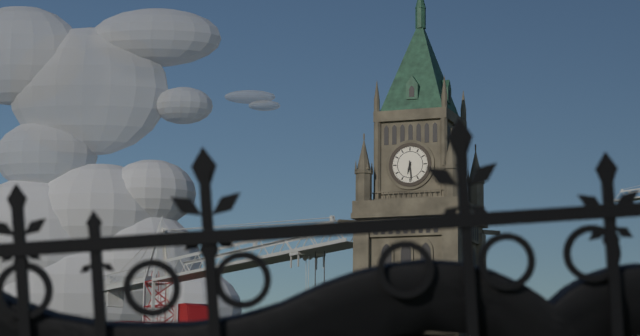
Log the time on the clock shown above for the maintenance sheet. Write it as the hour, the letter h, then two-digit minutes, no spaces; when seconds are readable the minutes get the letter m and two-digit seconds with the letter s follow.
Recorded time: 6h29
